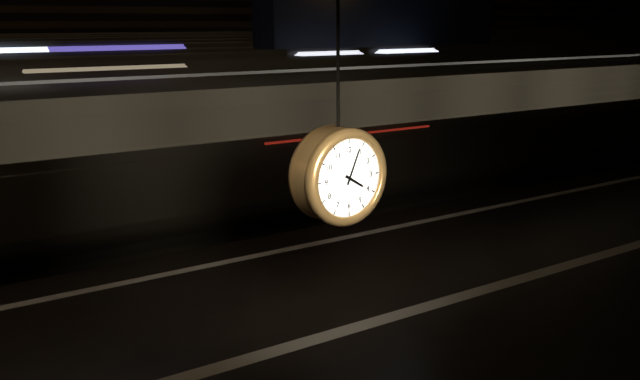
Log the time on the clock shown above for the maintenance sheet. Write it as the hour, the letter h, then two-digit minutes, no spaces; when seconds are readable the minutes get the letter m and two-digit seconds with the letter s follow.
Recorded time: 4h04
